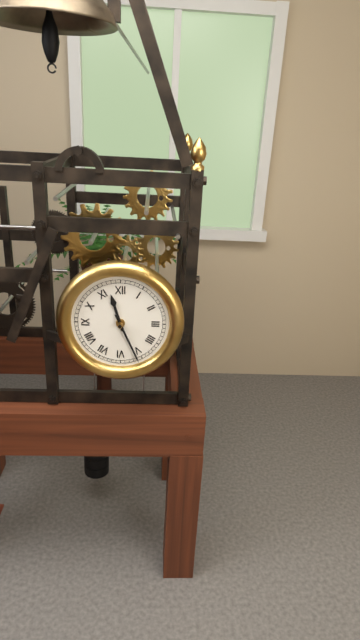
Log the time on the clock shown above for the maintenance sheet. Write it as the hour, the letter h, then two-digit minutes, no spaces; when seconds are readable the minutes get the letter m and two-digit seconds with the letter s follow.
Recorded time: 11h26
